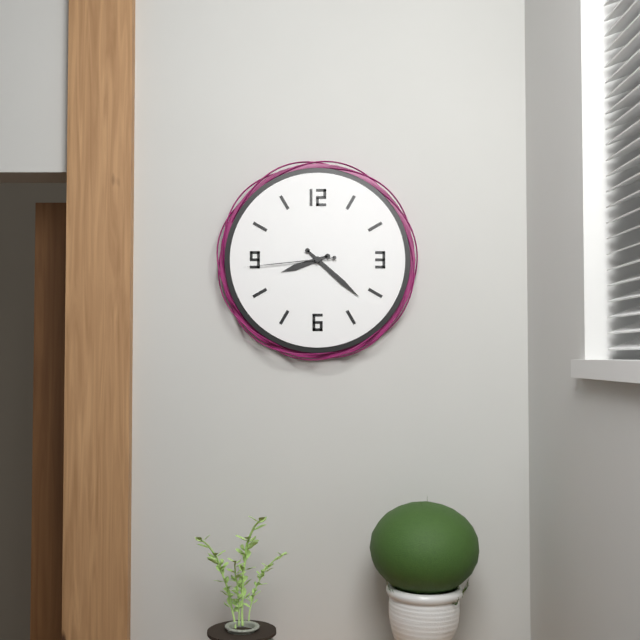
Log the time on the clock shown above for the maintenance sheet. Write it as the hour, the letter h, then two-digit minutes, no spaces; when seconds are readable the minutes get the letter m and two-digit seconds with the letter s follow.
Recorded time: 8h22m44s
